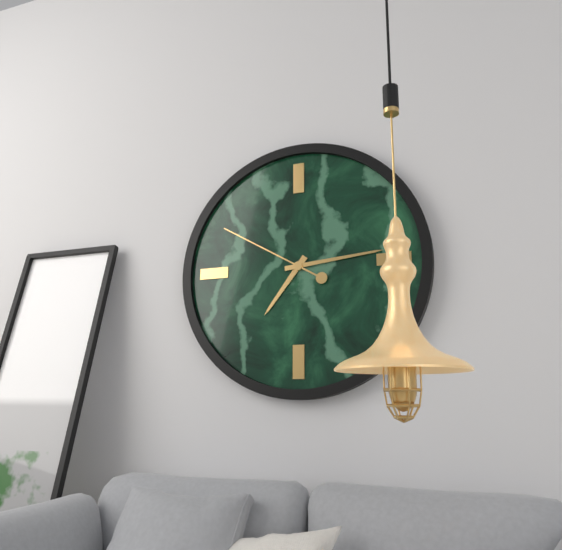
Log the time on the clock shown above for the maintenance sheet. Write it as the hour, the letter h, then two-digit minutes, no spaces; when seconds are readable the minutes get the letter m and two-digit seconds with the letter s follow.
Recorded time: 7h14m50s
